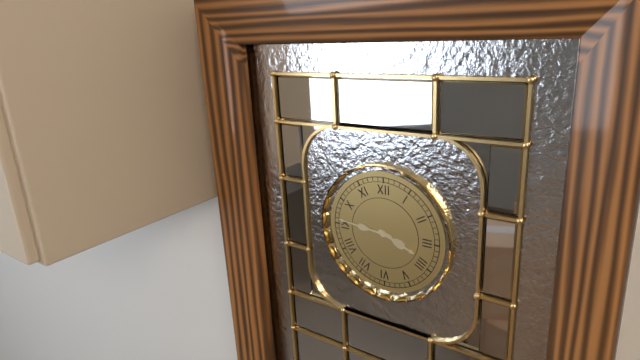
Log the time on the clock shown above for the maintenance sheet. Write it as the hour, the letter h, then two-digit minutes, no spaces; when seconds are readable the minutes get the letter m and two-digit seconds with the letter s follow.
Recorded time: 3h46
